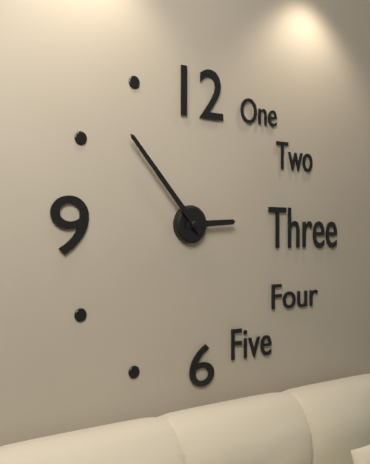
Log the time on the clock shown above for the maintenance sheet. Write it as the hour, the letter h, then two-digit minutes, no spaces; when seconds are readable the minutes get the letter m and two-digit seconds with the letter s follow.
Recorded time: 2h53
